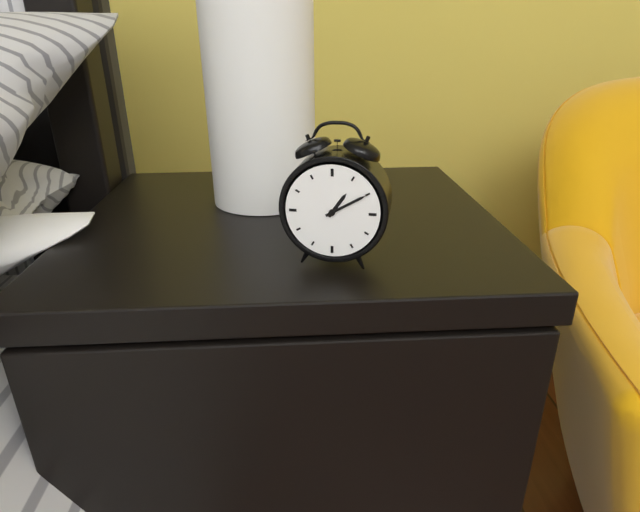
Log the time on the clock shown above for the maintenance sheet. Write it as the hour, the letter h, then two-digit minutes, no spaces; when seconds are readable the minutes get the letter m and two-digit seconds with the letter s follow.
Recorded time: 1h10
